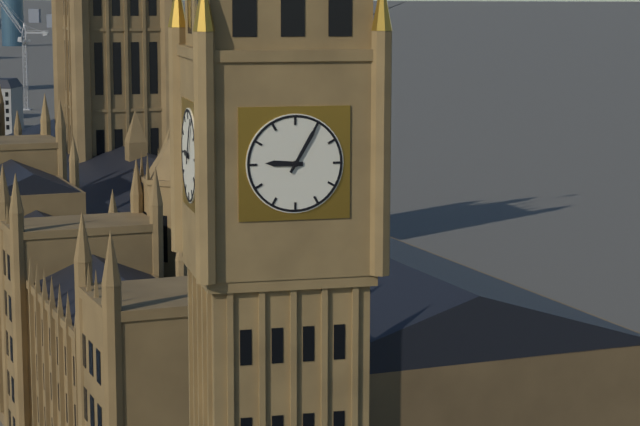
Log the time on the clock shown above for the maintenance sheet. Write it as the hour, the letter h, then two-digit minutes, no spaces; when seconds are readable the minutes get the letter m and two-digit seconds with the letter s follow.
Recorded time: 9h05
